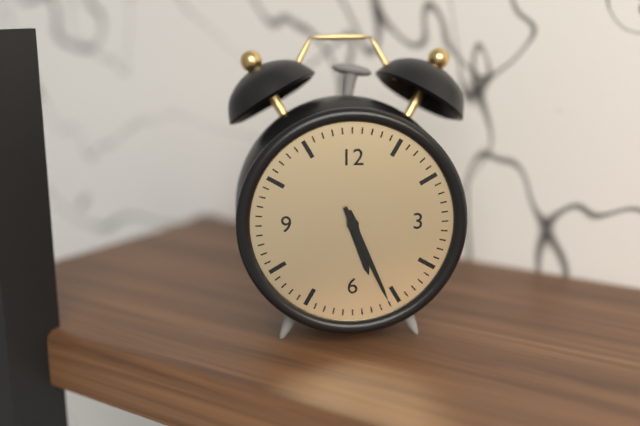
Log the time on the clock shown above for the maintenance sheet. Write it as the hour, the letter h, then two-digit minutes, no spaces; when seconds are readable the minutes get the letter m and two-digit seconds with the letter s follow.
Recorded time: 5h26
